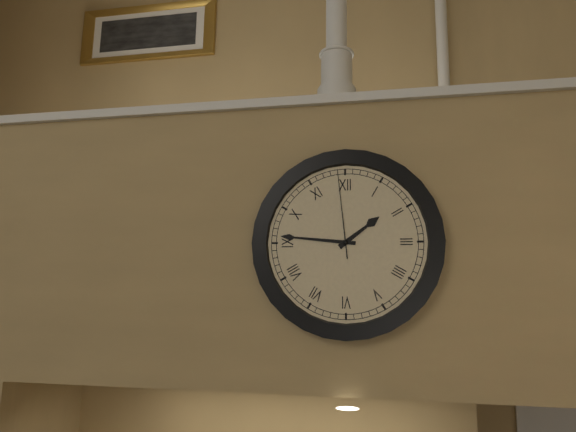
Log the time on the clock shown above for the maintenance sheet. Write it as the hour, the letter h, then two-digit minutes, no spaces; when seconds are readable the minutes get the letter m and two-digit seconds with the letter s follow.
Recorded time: 1h46m59s
